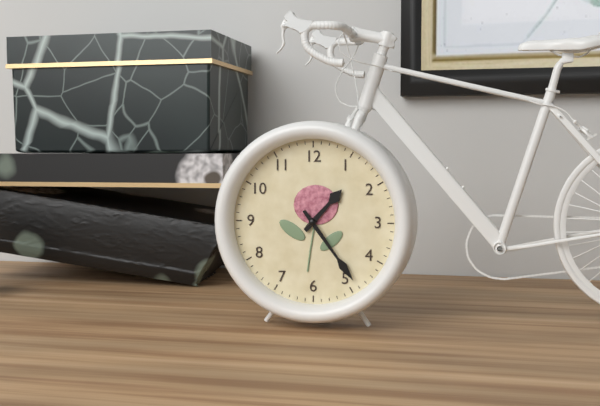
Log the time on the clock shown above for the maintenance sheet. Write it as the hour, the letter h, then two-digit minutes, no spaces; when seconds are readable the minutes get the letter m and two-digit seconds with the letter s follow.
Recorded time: 1h24
